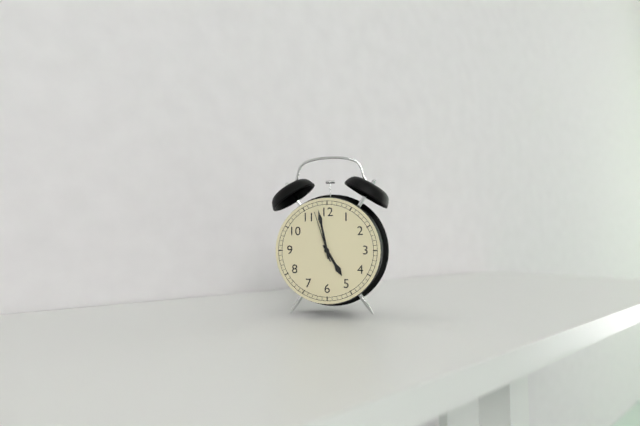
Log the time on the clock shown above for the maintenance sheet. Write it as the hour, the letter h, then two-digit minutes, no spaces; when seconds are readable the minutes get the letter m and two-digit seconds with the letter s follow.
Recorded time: 4h58m57s
